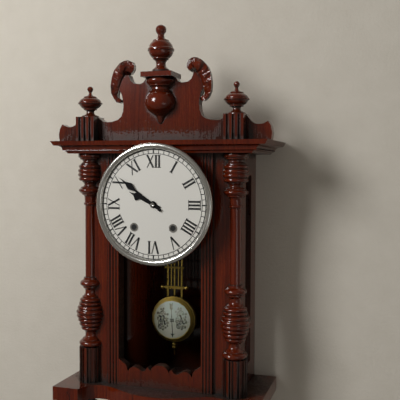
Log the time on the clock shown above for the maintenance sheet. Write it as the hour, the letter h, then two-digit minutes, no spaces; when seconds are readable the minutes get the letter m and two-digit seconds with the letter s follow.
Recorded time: 9h51
